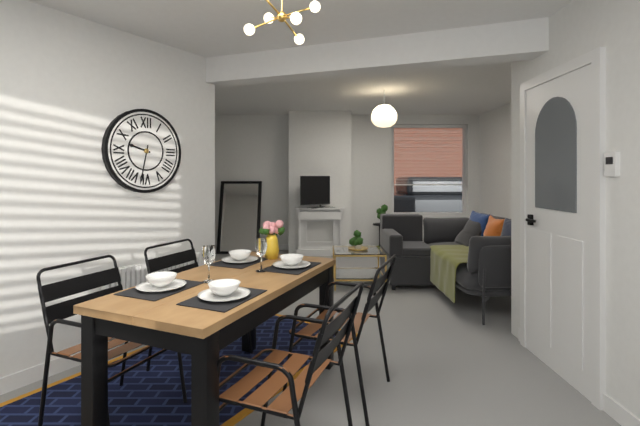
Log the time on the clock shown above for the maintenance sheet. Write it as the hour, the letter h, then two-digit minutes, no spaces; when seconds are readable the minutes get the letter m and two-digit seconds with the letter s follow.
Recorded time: 9h32
